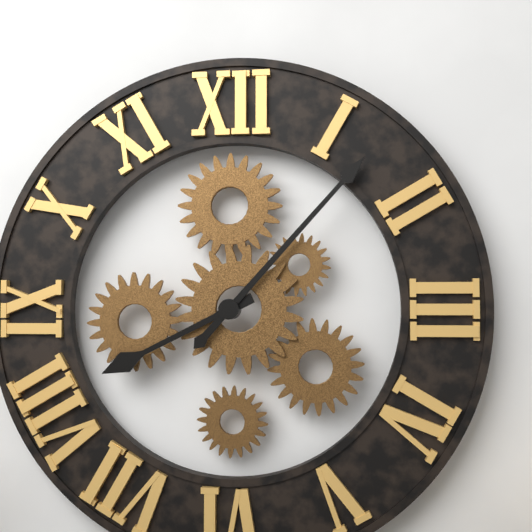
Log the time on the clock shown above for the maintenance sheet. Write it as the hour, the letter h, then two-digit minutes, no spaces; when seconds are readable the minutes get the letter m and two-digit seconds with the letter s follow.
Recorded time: 8h07
